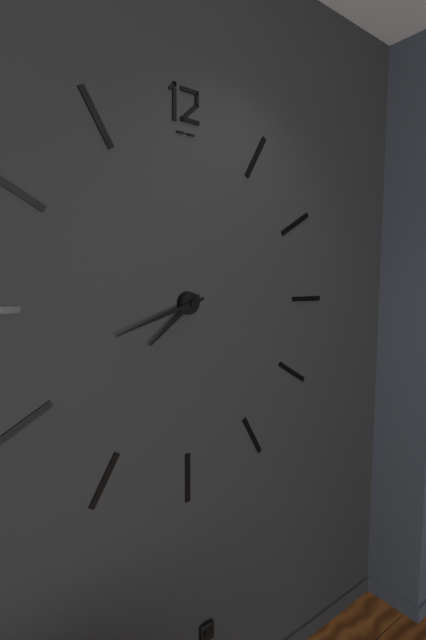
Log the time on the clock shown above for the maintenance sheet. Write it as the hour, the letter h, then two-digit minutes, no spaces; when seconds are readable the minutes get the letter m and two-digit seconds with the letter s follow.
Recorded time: 7h42
